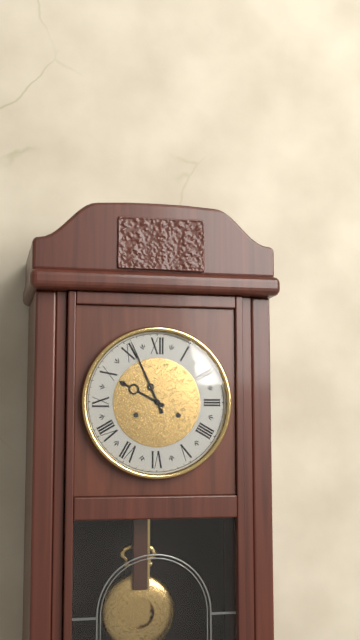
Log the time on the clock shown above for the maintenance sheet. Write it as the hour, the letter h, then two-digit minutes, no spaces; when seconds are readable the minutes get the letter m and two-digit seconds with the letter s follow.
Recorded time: 9h56
